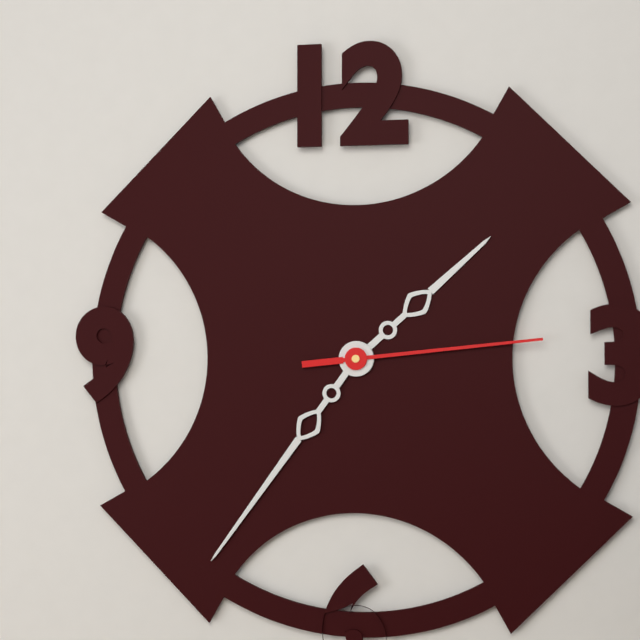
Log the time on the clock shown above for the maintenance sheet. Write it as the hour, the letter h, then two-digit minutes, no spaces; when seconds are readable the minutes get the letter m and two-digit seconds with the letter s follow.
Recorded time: 1h36m14s
